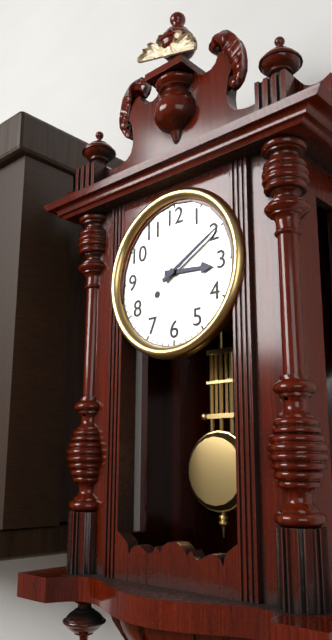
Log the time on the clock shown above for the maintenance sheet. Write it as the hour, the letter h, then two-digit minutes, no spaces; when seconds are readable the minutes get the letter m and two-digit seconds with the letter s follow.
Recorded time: 3h10
